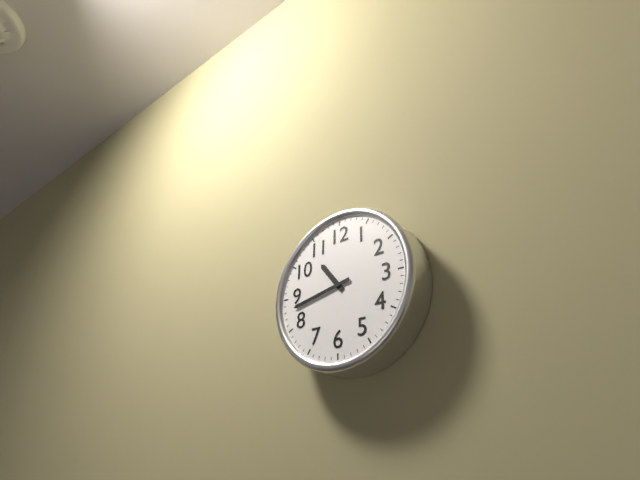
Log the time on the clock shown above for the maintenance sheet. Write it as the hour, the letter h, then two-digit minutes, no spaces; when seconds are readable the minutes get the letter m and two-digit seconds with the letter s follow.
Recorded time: 10h43
